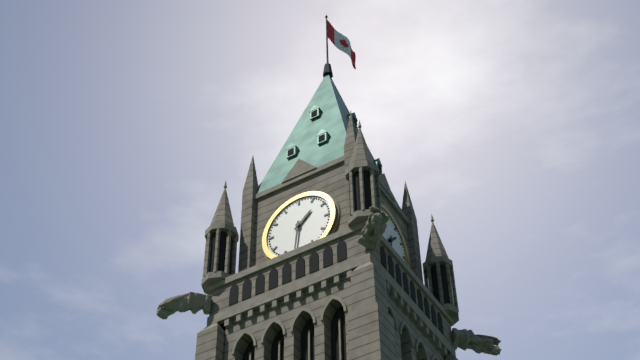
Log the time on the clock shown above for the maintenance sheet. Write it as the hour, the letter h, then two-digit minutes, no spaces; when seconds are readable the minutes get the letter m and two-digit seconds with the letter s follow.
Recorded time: 1h31
